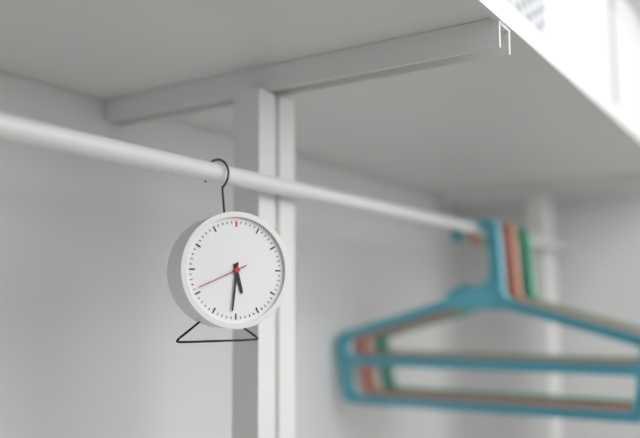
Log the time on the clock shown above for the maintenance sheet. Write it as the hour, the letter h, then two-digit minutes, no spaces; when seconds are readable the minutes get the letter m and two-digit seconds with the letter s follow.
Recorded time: 5h31m41s
